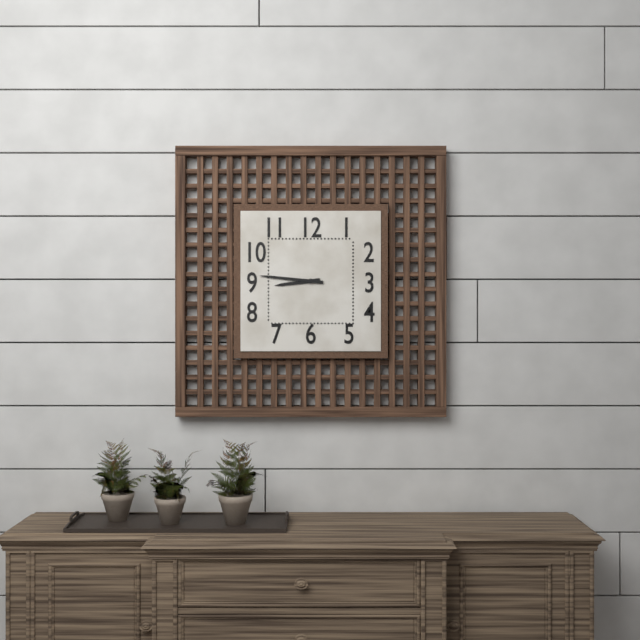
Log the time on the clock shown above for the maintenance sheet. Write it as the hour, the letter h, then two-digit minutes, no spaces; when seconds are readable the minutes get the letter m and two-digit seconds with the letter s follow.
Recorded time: 8h46
